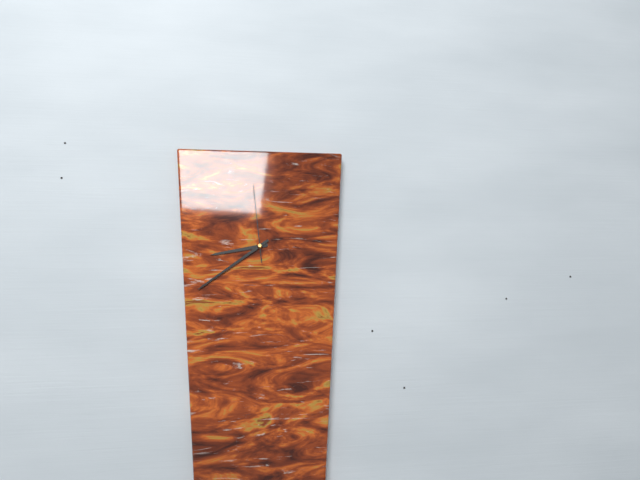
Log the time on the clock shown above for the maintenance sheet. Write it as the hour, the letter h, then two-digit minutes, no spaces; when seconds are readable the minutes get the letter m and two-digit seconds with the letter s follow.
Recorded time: 8h39m59s
